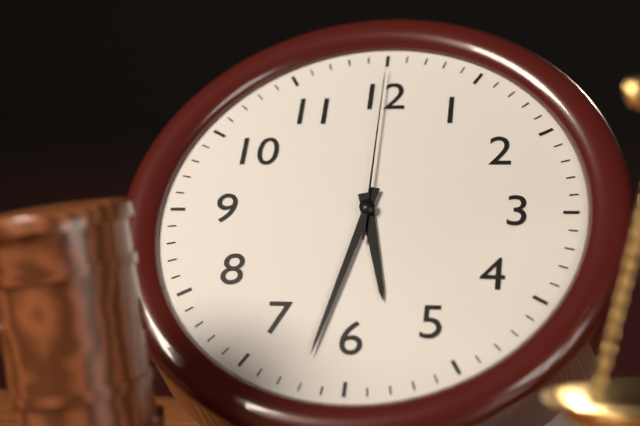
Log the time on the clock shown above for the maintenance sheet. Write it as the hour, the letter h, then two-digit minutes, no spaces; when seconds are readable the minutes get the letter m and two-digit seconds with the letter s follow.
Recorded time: 5h32m00s
